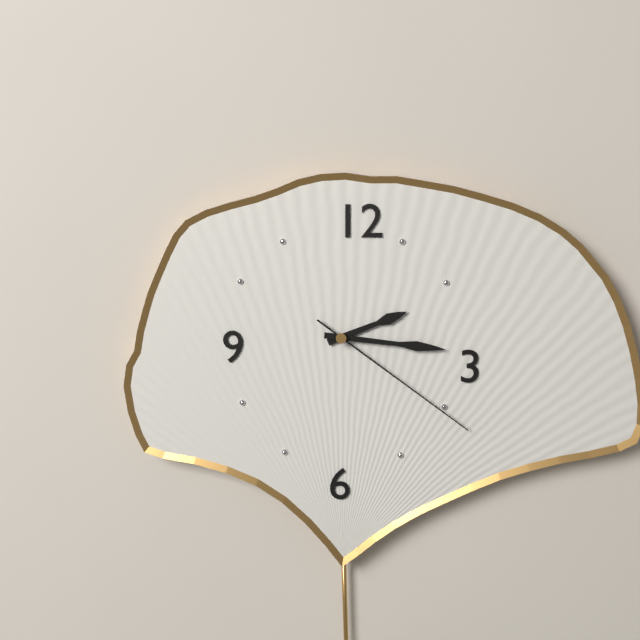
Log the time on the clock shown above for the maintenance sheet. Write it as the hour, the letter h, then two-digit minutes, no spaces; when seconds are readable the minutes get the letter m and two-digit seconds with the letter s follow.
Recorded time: 2h16m21s
